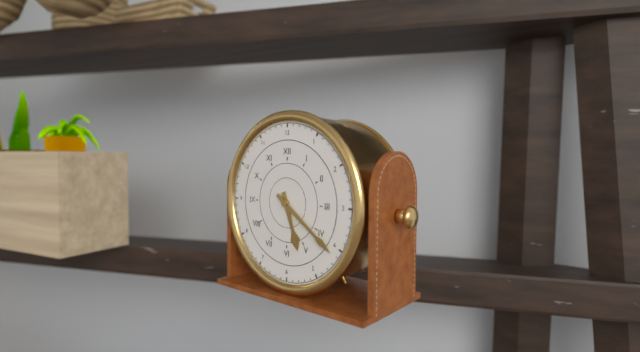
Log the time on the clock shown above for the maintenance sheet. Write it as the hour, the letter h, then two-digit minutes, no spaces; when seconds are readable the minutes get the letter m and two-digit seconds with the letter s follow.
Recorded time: 5h21
